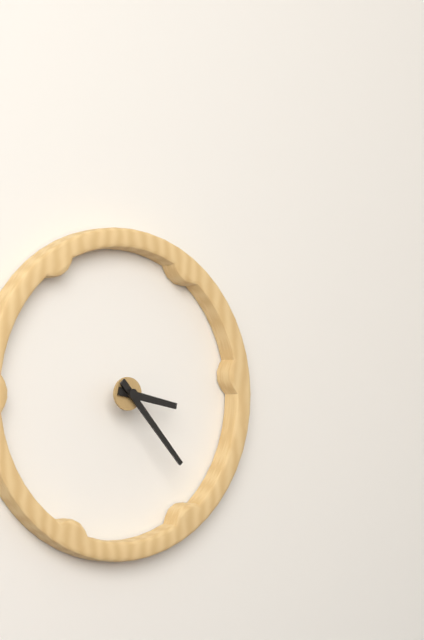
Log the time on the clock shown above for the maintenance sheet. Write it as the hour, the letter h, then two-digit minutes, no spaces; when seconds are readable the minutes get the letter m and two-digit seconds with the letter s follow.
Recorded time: 3h23
